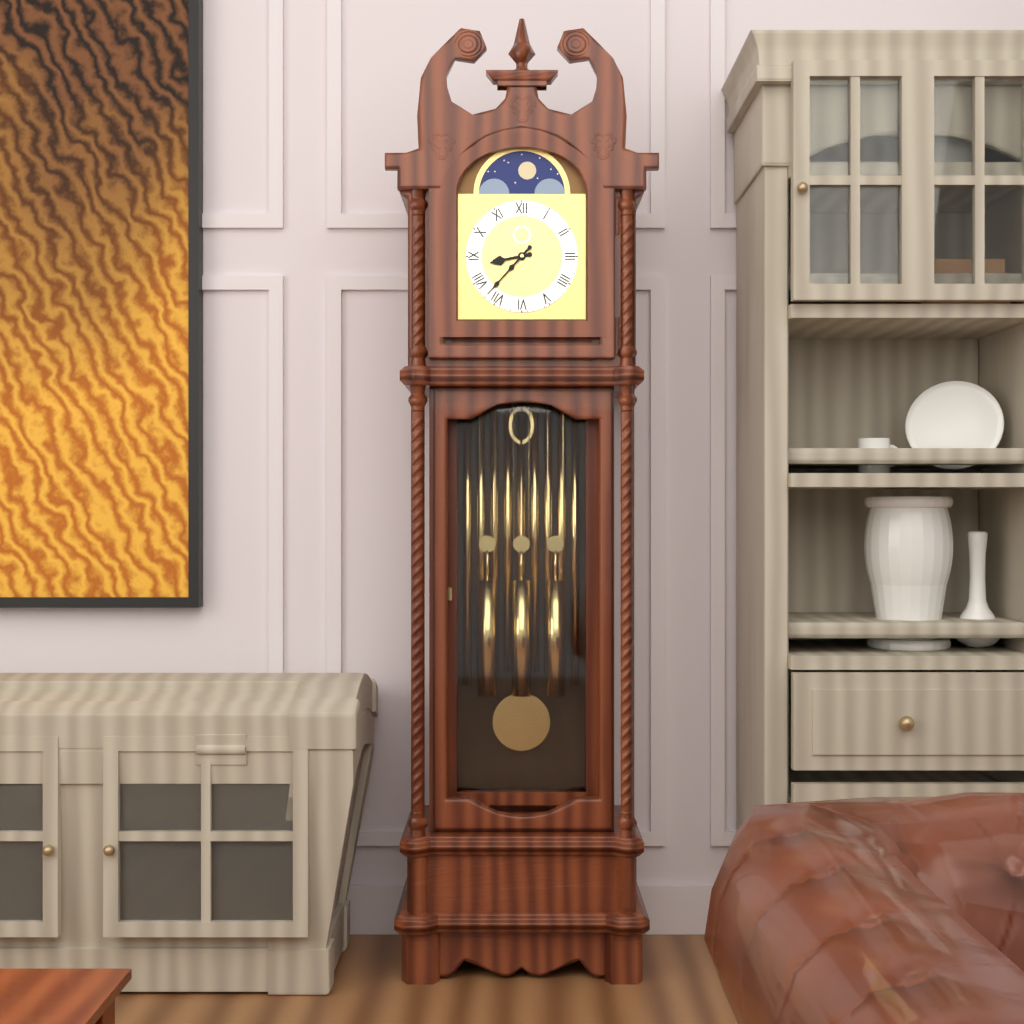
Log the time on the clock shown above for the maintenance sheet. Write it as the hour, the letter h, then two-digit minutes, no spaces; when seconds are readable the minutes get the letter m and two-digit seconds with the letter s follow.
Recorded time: 8h37
